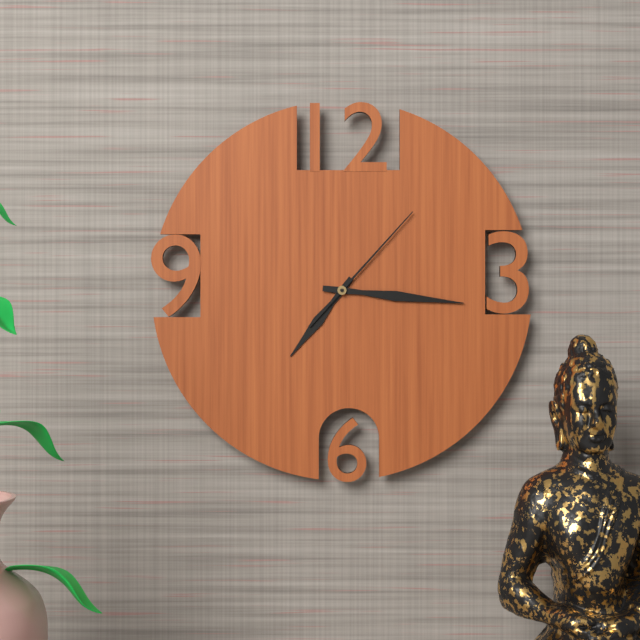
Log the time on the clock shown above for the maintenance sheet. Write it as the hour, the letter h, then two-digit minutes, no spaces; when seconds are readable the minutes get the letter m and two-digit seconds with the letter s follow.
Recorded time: 7h16m07s
